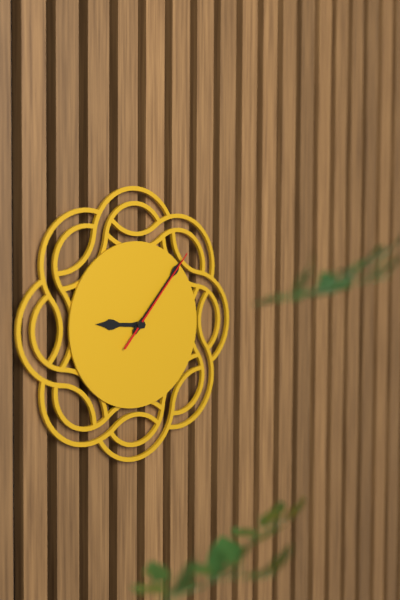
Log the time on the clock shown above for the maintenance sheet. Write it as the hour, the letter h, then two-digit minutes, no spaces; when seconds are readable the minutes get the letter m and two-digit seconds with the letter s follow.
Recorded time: 9h07m07s
